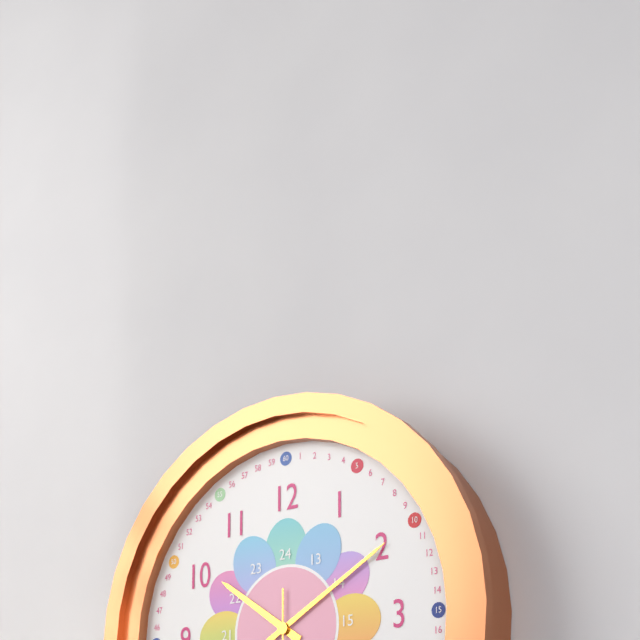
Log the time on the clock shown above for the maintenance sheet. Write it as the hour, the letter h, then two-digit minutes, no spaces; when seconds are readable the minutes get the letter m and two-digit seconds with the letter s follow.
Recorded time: 10h10
